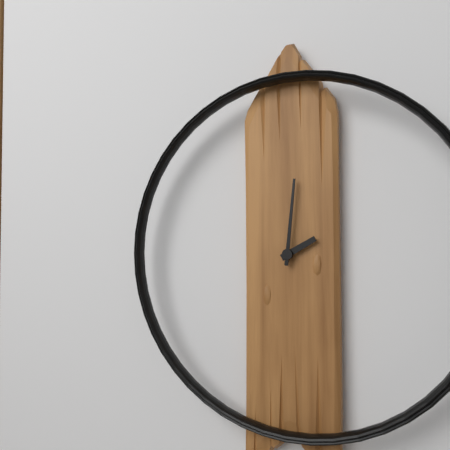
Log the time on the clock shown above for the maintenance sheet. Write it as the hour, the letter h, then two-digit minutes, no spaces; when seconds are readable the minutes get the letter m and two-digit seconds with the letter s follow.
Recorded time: 2h01
